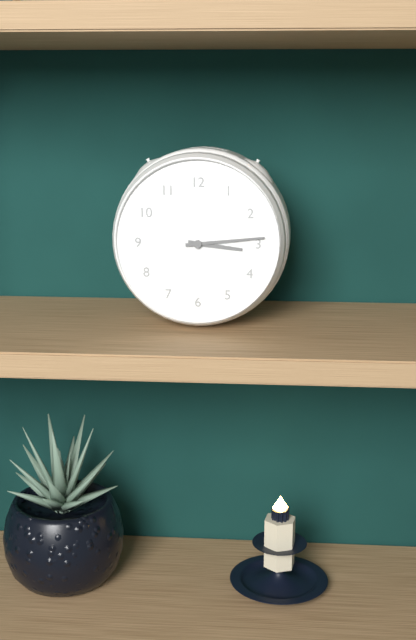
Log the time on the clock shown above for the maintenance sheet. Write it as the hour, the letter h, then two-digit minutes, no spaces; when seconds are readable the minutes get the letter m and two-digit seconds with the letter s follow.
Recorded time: 3h14
